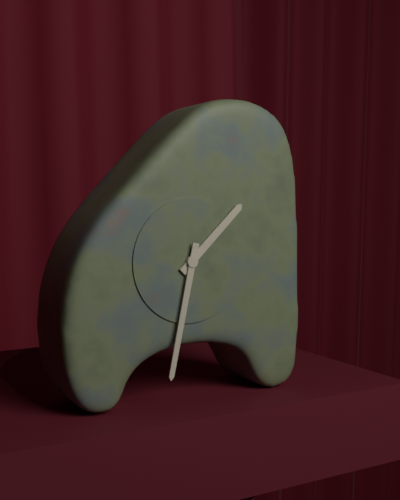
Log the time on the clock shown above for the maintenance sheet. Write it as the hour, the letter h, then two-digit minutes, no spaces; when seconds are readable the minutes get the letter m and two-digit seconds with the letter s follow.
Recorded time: 1h32
